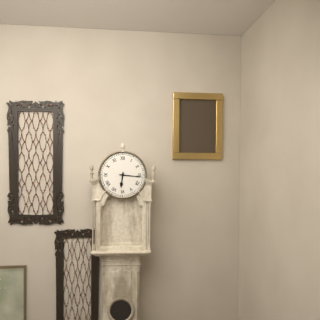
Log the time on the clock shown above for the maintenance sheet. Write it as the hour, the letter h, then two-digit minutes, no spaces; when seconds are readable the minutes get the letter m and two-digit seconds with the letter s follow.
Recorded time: 6h16
